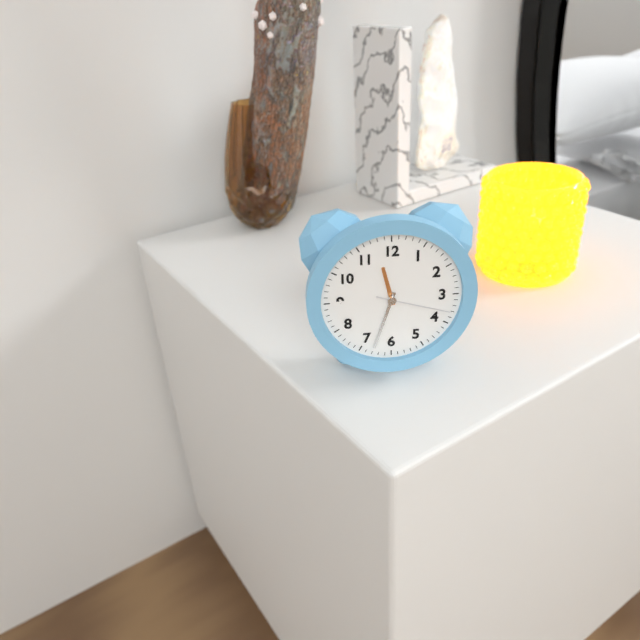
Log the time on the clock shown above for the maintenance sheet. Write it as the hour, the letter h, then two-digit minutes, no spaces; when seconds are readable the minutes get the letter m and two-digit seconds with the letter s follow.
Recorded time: 11h33m18s
